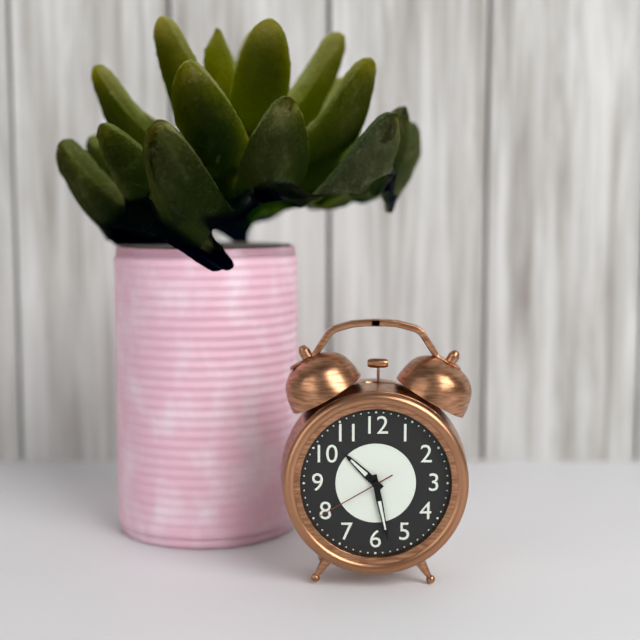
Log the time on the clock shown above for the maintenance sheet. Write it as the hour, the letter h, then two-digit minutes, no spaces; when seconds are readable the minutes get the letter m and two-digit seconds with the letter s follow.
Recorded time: 10h28m40s
